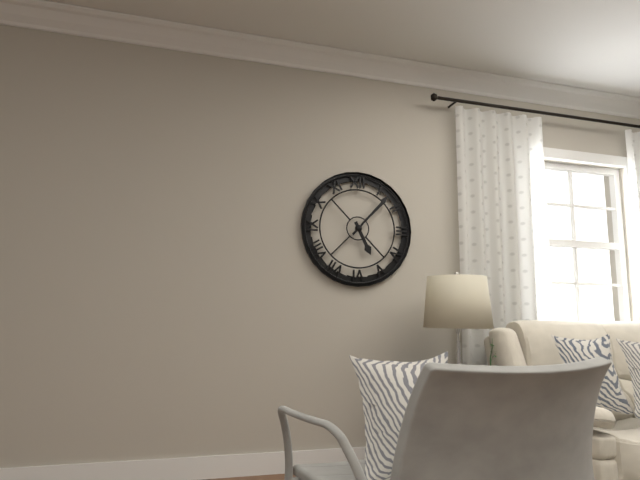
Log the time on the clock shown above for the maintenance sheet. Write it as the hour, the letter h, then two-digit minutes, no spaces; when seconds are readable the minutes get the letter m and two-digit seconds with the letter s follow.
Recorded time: 5h07
